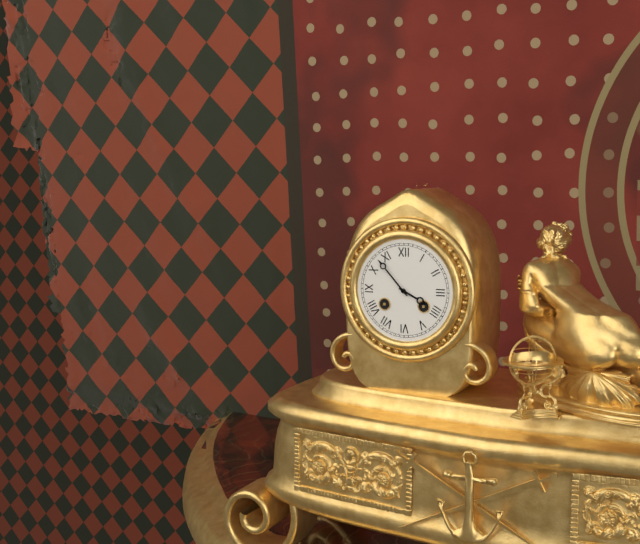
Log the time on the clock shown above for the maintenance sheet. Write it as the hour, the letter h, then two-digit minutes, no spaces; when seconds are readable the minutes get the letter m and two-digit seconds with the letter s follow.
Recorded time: 3h53
